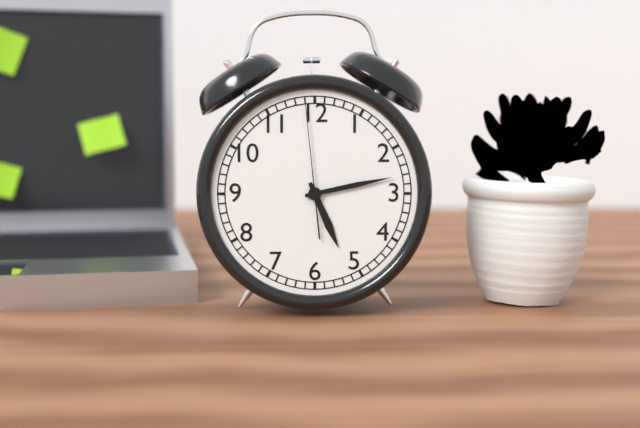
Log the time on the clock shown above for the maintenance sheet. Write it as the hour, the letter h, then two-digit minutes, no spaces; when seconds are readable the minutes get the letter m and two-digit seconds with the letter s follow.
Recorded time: 5h13m59s
